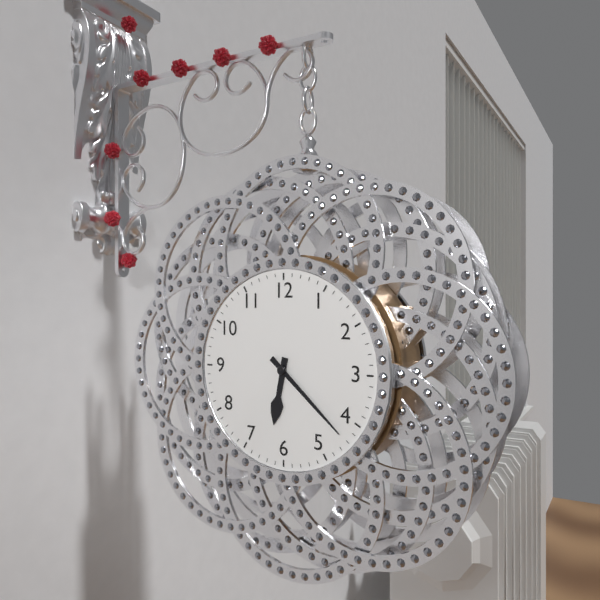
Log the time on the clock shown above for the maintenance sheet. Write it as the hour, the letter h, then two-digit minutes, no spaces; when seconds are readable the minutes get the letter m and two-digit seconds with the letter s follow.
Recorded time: 6h22
